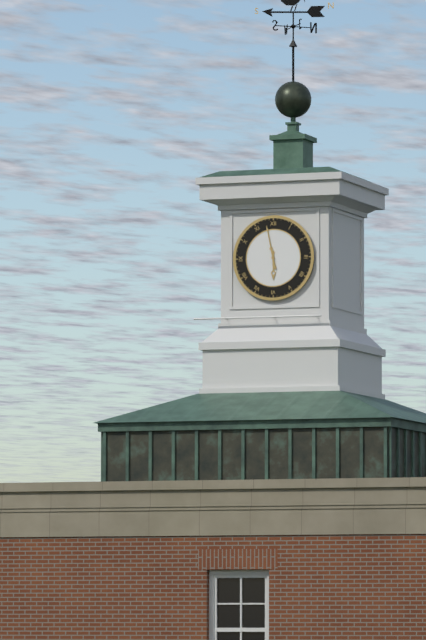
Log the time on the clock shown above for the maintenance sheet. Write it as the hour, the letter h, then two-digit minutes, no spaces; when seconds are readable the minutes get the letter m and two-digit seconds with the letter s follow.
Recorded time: 5h58
